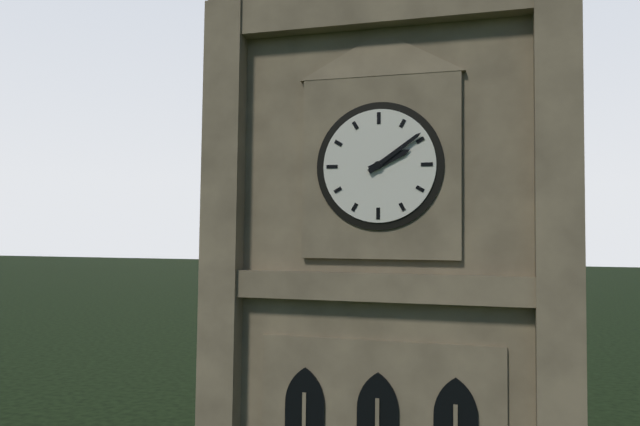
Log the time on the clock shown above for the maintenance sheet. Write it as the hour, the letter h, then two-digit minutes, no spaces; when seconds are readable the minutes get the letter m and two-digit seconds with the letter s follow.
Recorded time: 2h09
